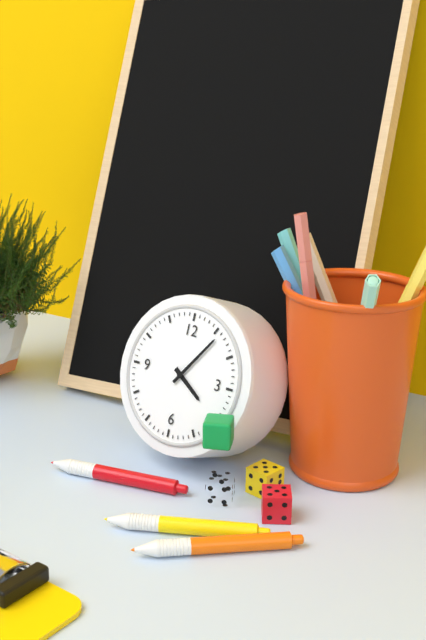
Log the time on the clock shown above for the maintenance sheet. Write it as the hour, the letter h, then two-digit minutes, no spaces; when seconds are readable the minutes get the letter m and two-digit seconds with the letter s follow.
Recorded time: 4h06
